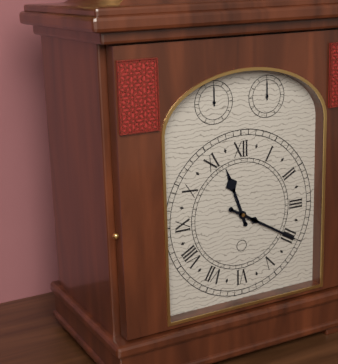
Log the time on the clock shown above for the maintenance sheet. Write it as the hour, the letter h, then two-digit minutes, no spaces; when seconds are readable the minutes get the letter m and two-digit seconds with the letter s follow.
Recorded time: 11h20
